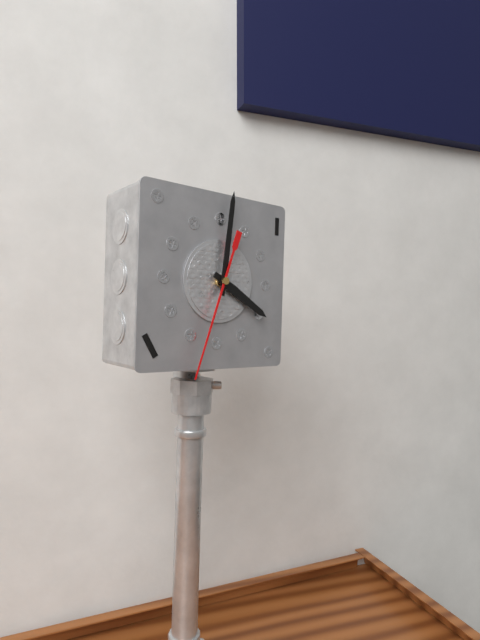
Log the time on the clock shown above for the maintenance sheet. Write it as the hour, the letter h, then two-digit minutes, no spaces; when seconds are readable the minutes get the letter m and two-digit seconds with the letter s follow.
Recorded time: 4h01m33s
